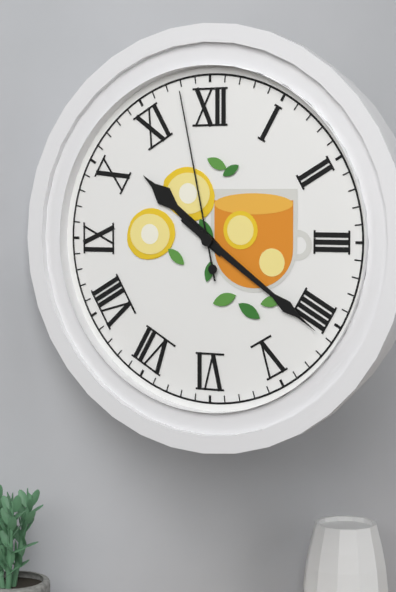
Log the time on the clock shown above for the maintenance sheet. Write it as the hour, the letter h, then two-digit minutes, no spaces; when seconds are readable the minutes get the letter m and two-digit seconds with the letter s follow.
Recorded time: 10h21m58s
